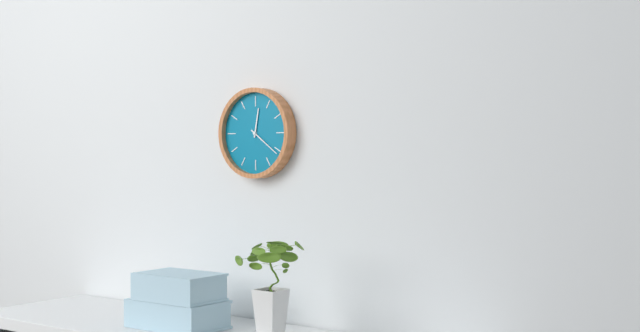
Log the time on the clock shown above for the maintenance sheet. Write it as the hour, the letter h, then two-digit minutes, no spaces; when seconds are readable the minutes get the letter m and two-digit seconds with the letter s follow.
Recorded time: 12h21
